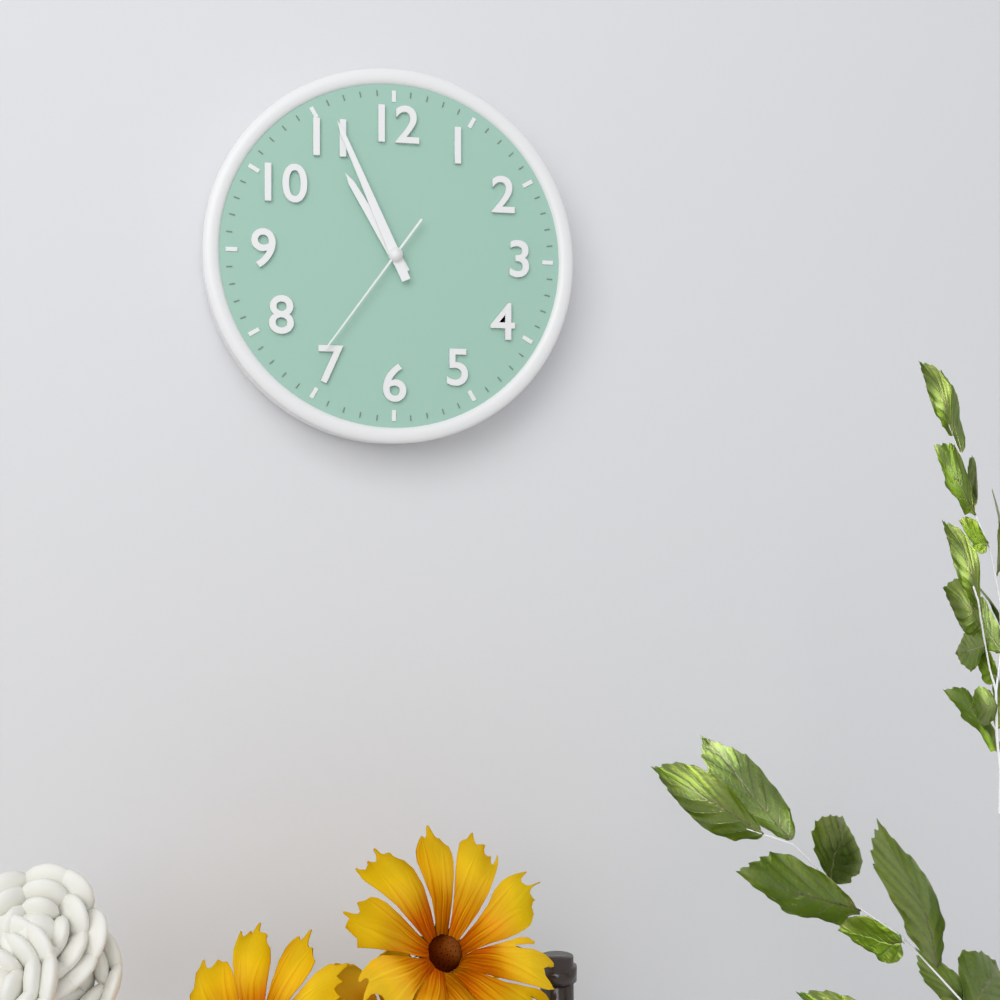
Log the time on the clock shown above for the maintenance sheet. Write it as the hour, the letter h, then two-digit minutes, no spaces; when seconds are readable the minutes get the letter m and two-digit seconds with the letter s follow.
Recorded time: 10h56m36s
